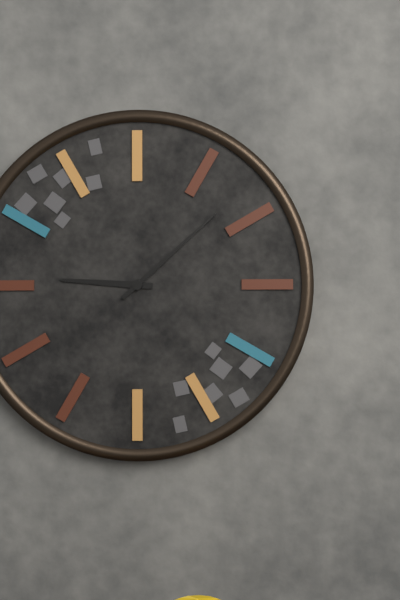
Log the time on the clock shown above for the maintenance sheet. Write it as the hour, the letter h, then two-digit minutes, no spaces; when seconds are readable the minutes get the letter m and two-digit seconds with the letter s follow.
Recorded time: 9h08
